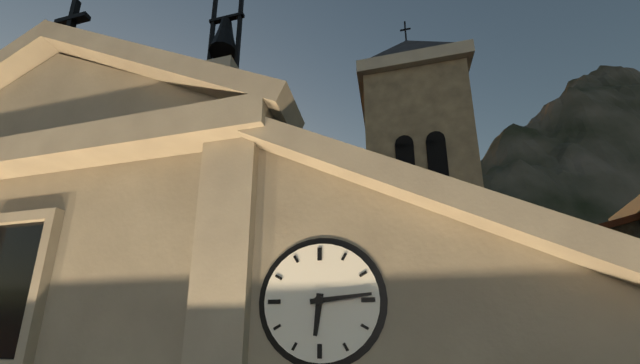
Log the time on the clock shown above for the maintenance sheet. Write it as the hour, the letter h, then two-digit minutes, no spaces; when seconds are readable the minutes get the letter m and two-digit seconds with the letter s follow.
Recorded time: 6h14
